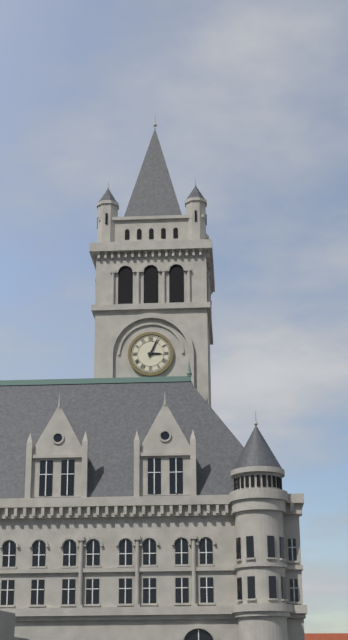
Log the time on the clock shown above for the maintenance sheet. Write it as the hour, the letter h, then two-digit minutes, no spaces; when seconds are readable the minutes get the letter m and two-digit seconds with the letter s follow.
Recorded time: 3h04
